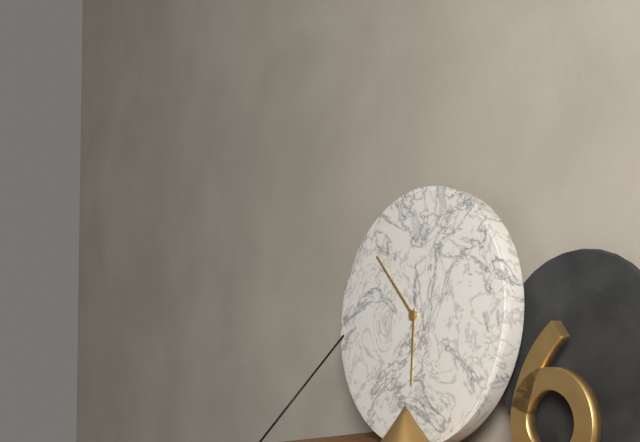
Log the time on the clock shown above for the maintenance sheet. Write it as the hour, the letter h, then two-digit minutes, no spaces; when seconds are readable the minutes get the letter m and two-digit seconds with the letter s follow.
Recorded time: 5h52
